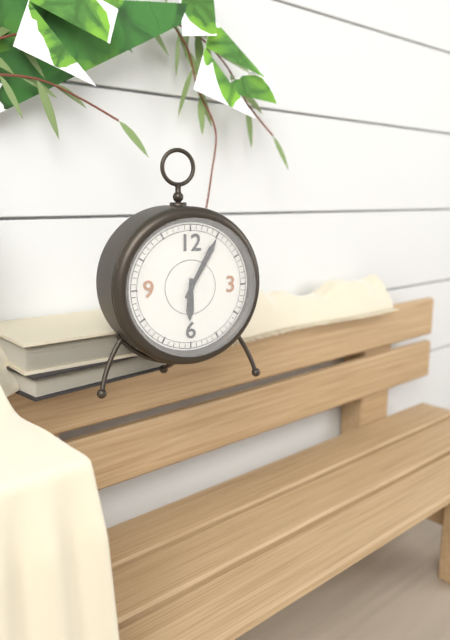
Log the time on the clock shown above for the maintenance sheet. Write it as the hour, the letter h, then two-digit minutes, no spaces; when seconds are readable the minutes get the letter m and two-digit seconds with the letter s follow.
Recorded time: 6h05
